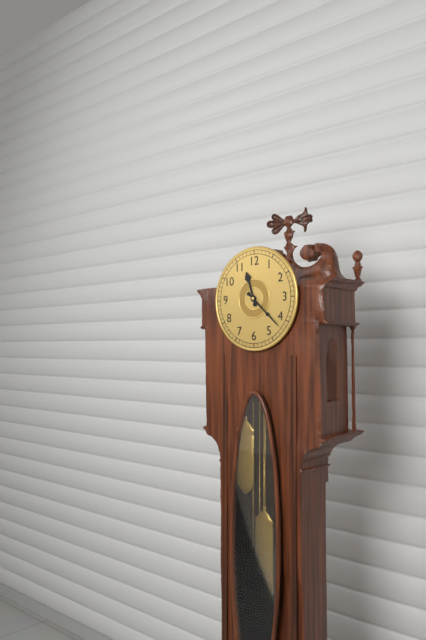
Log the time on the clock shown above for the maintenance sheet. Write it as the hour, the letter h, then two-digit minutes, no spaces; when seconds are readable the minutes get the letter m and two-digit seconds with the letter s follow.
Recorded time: 11h22
